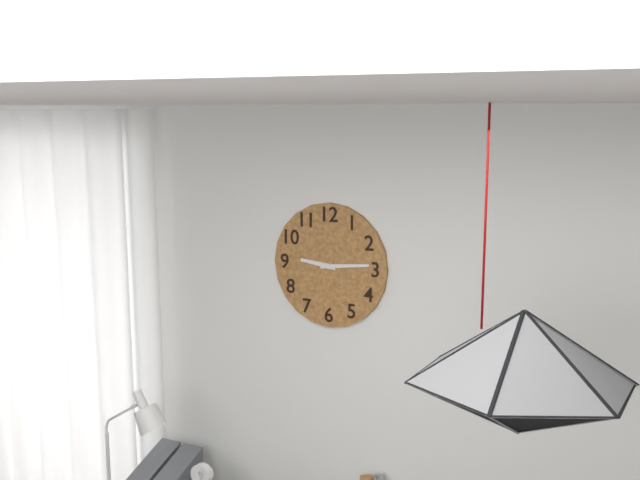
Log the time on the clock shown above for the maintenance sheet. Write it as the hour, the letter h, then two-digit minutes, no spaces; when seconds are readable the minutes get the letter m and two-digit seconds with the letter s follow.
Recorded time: 9h14
